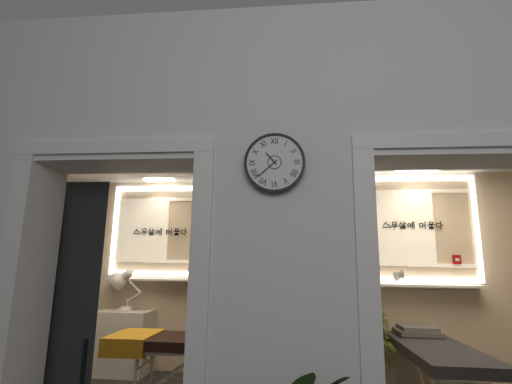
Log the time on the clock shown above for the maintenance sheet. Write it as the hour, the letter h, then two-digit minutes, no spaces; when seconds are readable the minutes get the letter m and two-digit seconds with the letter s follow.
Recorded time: 10h38
